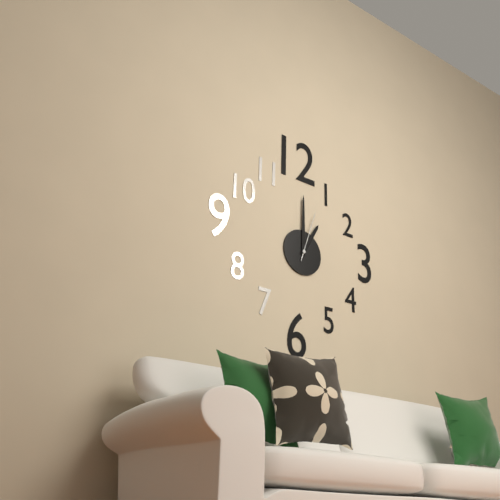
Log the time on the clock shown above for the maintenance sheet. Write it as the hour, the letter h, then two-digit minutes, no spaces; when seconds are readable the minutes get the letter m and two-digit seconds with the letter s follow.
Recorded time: 1h00m03s
